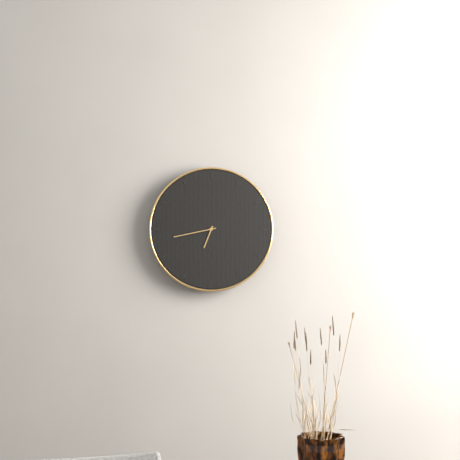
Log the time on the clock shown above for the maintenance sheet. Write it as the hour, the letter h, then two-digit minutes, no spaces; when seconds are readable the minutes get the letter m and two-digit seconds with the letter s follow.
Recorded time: 6h43
